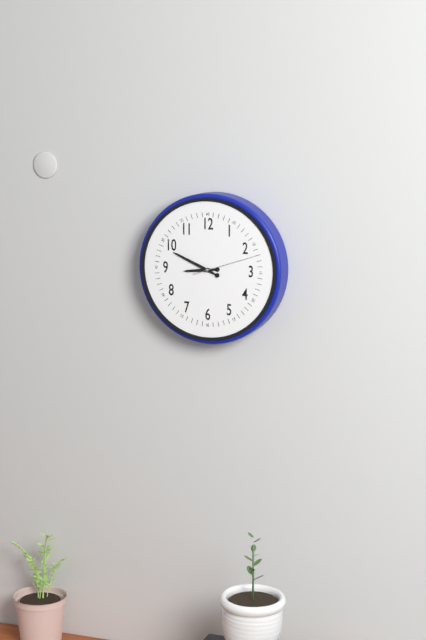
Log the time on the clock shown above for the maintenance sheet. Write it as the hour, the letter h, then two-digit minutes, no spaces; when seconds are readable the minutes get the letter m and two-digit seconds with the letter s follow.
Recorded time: 8h49m12s
